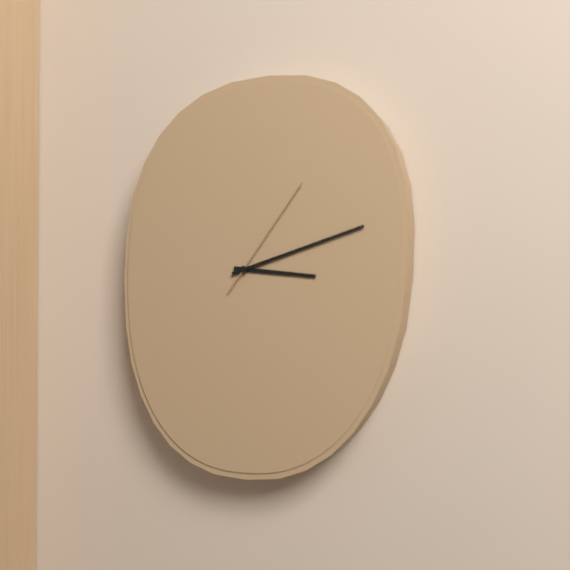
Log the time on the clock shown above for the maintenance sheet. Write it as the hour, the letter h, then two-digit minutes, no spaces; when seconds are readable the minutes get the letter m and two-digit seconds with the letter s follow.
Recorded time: 3h12m06s
